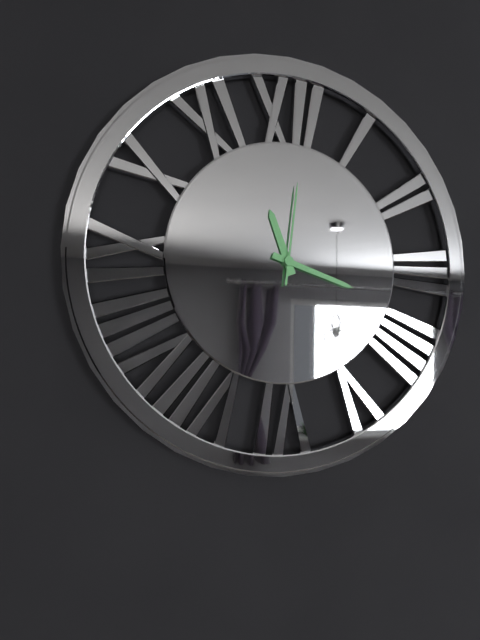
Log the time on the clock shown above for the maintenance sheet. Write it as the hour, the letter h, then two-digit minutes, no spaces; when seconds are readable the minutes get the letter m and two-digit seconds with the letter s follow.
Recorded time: 11h18m01s
